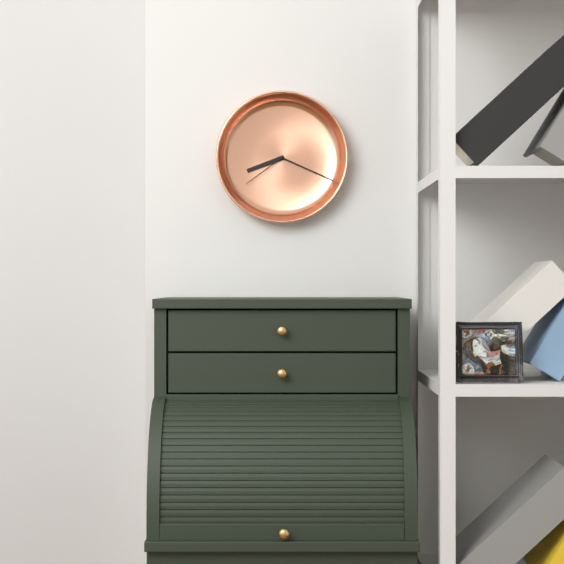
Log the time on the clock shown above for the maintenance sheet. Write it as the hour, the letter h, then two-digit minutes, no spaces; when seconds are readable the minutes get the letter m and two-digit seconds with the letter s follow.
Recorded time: 8h19m39s
